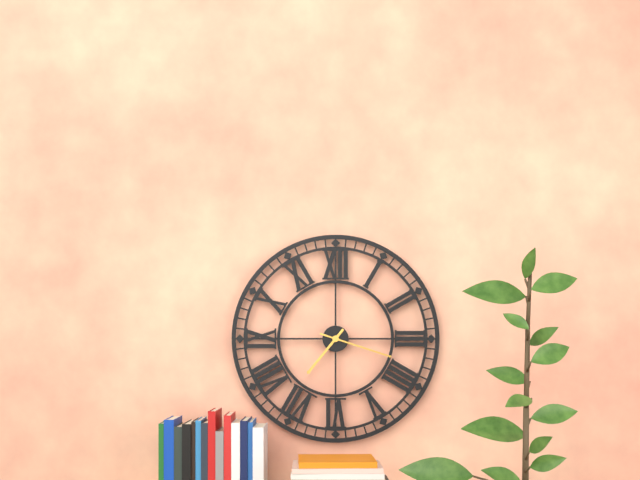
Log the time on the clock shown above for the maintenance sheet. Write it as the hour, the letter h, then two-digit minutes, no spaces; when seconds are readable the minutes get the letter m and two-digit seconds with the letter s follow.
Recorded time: 7h18
